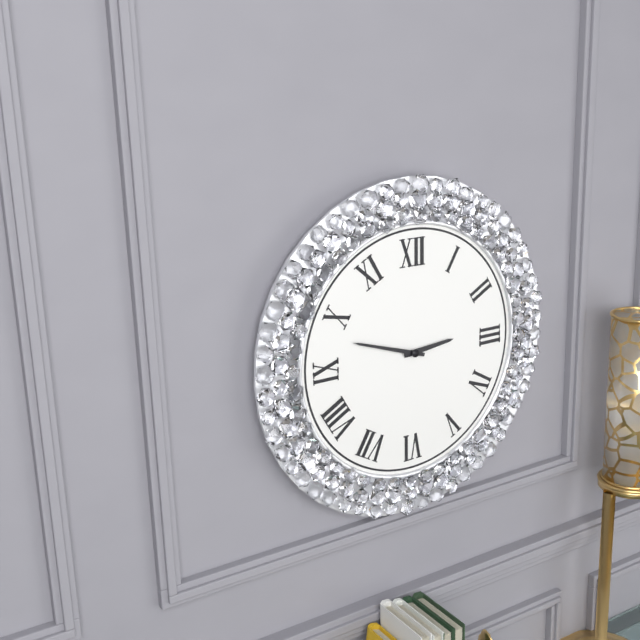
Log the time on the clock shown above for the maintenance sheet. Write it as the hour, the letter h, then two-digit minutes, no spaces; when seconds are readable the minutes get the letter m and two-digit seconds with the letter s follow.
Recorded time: 2h48
